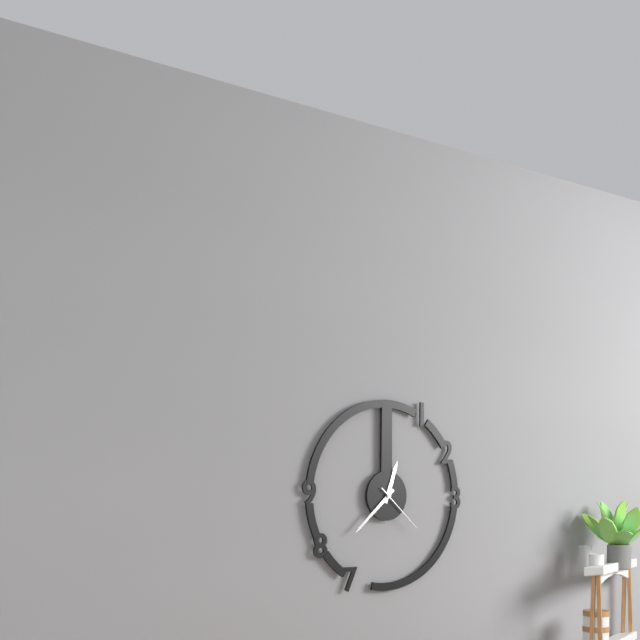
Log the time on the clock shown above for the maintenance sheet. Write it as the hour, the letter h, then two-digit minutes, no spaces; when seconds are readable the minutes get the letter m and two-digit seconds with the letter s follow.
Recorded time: 12h38m22s
